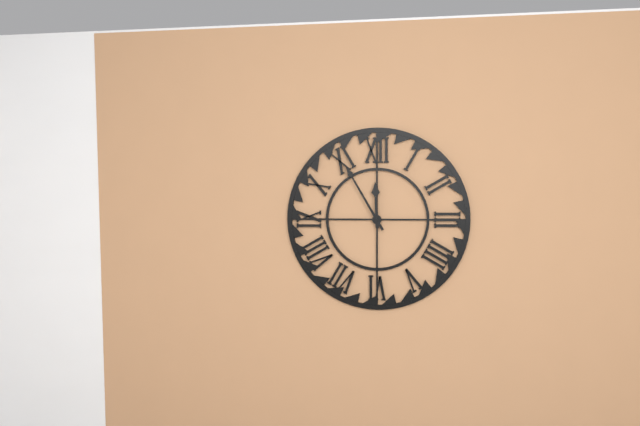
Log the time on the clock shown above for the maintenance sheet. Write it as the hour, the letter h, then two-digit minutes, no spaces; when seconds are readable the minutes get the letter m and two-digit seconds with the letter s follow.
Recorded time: 11h55
